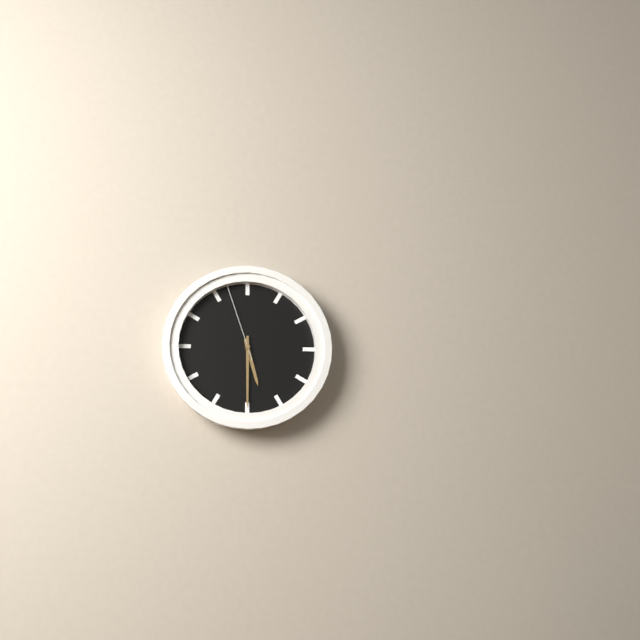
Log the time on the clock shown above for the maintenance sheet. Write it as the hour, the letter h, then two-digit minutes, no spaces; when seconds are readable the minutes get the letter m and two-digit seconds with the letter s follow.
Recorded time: 5h30m57s
